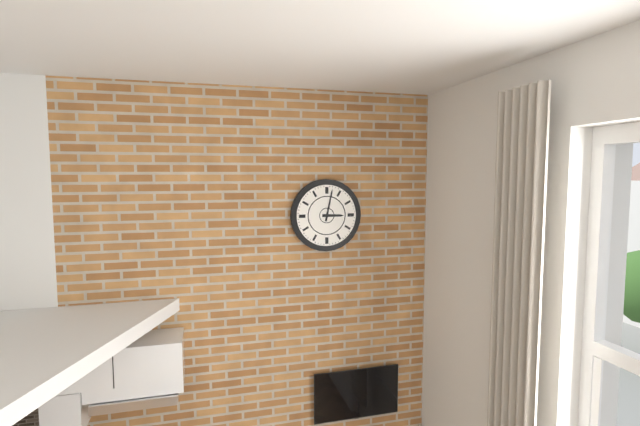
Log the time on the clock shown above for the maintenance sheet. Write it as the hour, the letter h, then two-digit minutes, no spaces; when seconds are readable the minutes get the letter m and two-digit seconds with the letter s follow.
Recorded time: 3h02
